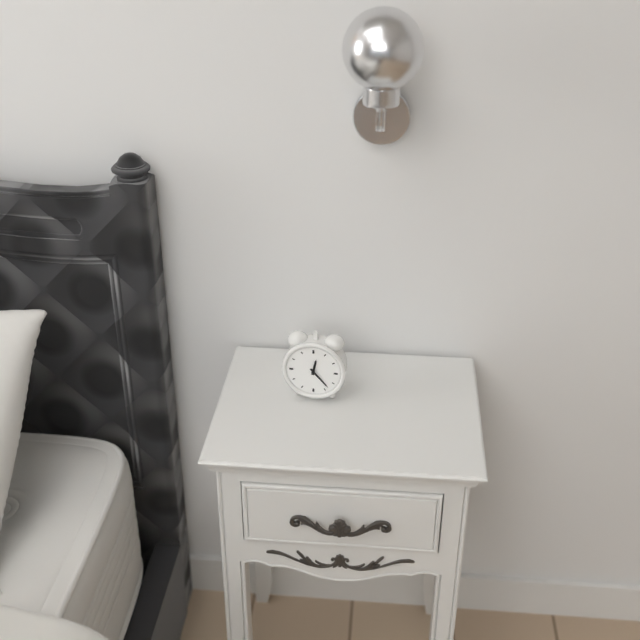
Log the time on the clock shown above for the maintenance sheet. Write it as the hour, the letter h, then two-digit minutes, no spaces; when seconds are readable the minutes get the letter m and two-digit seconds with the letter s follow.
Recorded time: 12h23
